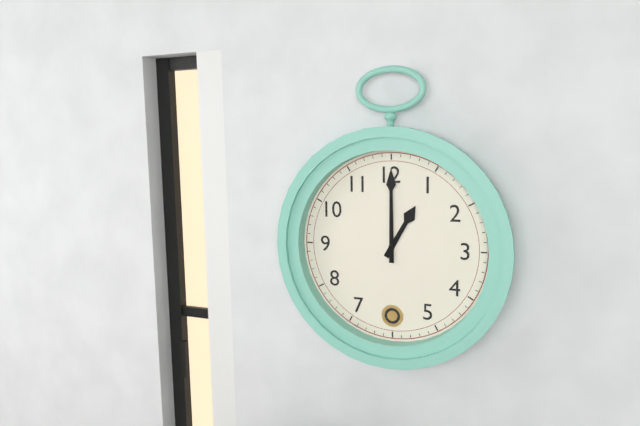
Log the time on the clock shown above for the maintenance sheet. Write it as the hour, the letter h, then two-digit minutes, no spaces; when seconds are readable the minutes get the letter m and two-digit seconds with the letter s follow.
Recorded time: 1h00
